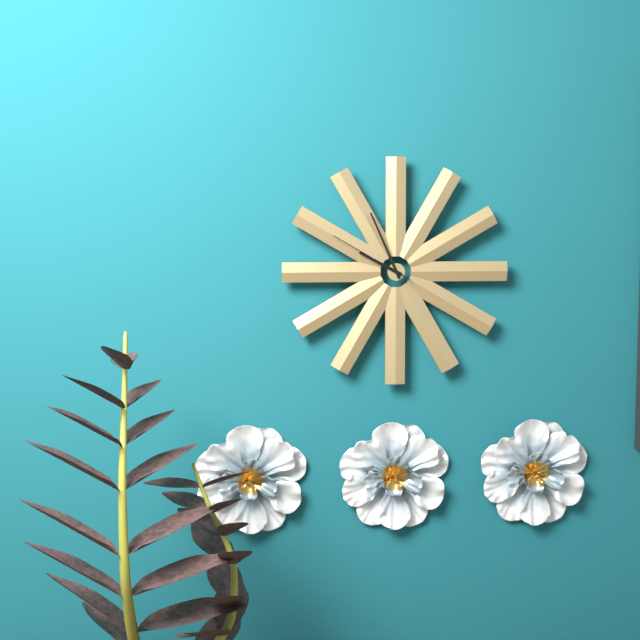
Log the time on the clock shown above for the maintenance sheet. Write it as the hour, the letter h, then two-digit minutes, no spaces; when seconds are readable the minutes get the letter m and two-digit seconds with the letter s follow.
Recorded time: 9h56m50s
